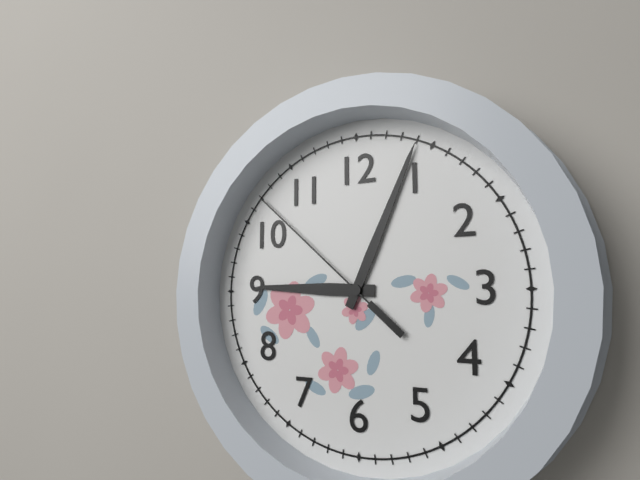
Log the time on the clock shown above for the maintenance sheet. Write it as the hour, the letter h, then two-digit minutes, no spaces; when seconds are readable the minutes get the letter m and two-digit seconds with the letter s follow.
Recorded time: 9h04m52s
